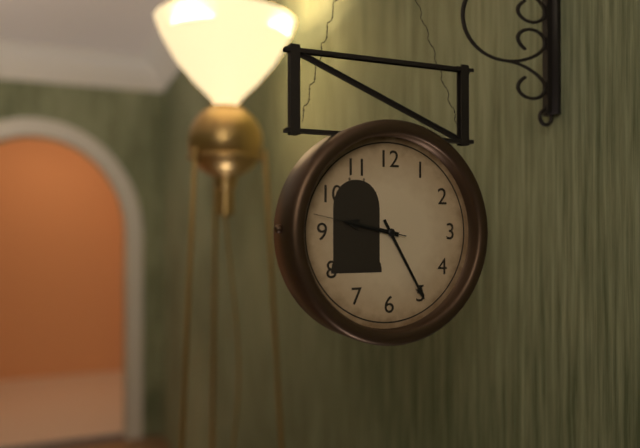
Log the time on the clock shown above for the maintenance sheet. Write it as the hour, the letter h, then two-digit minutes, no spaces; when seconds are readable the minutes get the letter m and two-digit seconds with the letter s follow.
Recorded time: 9h25m47s
